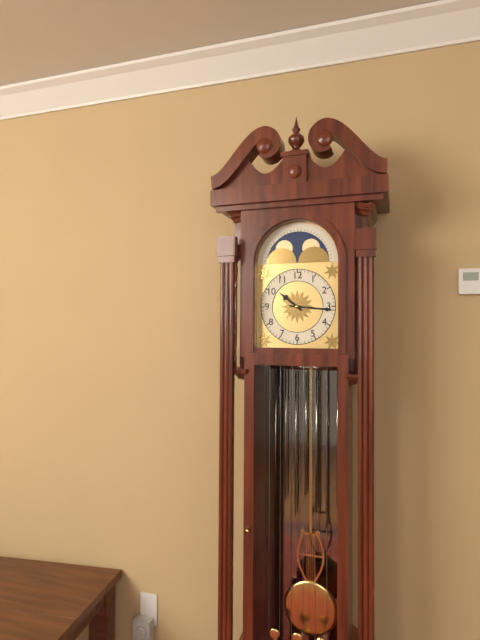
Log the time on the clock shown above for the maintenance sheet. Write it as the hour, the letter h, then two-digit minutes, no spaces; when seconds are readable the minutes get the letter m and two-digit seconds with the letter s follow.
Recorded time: 10h16
